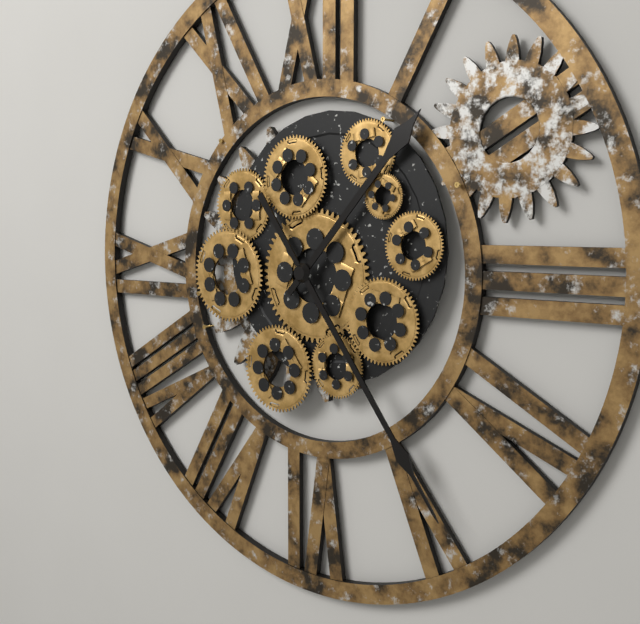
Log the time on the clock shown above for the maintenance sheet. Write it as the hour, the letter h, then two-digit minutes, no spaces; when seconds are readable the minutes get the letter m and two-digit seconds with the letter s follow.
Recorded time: 1h24
